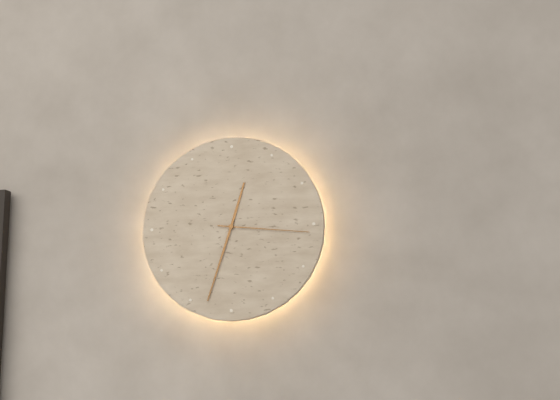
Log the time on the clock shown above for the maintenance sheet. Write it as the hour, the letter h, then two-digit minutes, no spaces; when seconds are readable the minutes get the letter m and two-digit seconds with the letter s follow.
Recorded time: 12h33m16s
